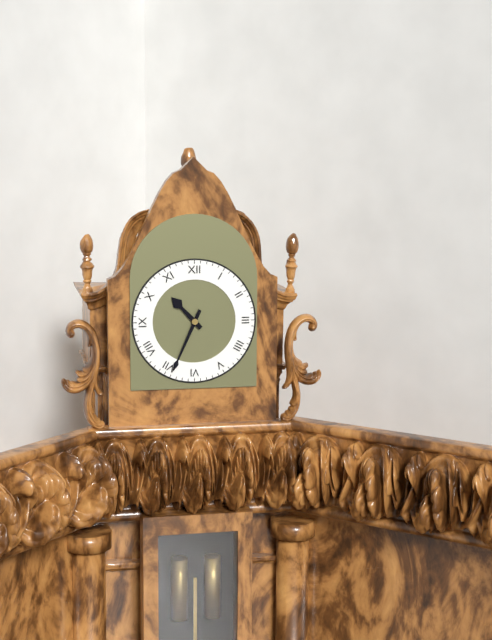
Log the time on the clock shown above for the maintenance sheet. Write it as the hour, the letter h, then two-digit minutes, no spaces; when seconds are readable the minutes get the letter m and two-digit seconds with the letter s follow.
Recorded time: 10h34
